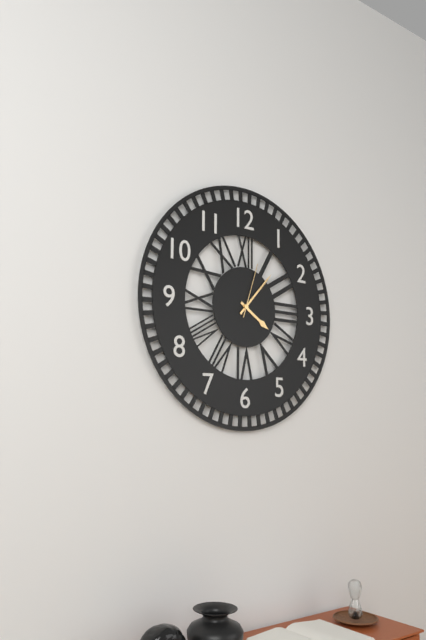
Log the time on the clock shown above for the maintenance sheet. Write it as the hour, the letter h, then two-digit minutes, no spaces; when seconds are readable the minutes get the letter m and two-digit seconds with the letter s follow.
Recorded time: 4h07m03s
